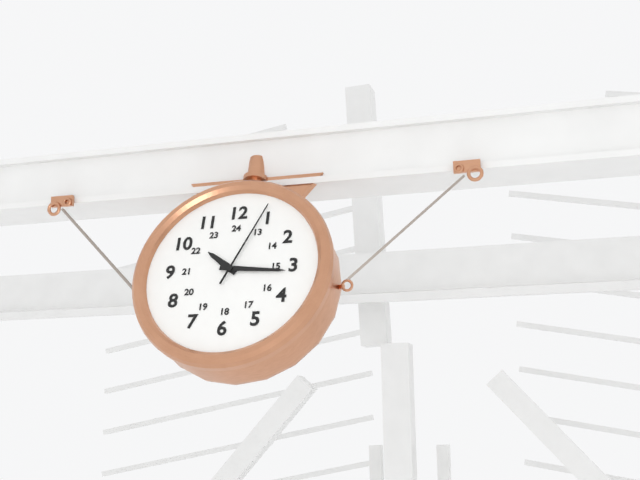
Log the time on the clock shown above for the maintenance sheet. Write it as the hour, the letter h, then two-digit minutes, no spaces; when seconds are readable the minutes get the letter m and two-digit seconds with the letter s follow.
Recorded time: 10h16m04s
